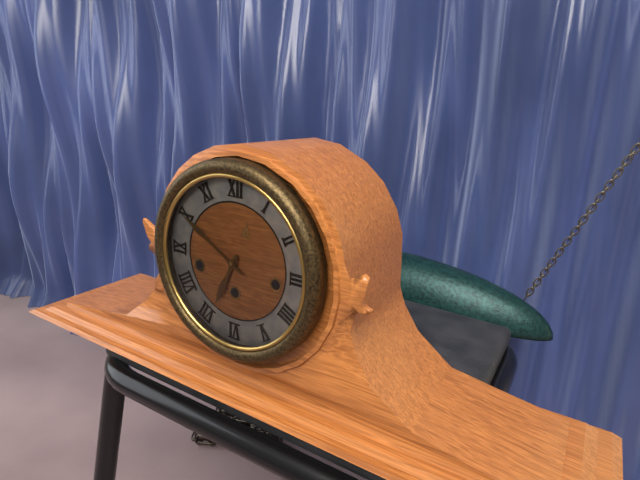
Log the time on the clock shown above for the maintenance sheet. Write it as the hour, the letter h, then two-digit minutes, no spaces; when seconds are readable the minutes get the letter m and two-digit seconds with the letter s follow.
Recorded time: 6h50
